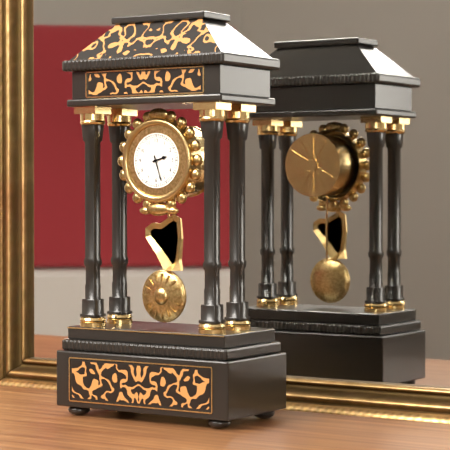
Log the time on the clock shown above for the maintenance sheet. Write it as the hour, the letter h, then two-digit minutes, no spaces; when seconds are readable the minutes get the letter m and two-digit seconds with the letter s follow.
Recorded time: 2h27
